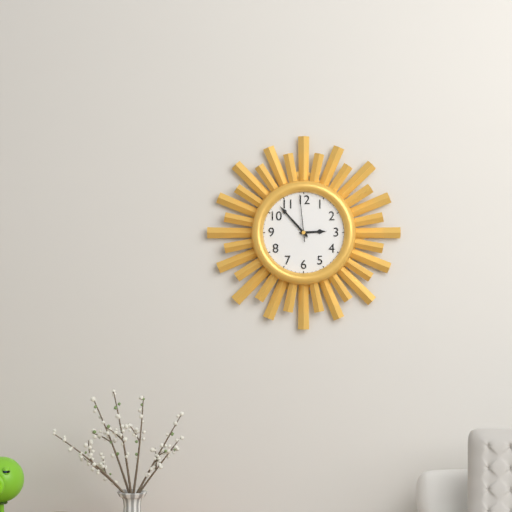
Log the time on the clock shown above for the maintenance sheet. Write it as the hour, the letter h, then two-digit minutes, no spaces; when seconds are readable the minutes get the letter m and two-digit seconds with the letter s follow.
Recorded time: 2h53
